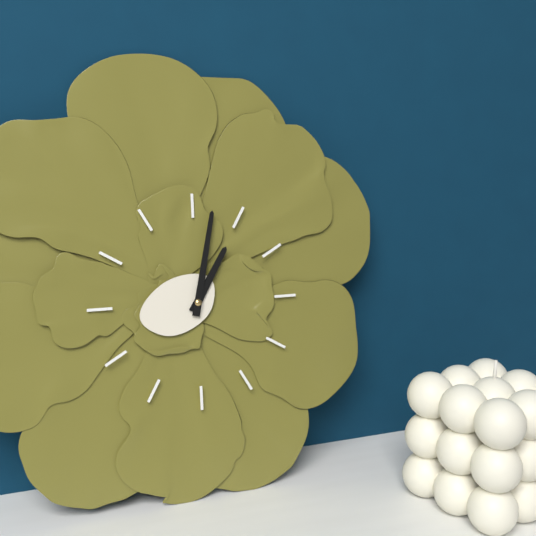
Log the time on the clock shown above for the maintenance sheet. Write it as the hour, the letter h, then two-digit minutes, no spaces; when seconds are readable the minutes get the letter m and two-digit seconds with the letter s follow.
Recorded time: 1h02
